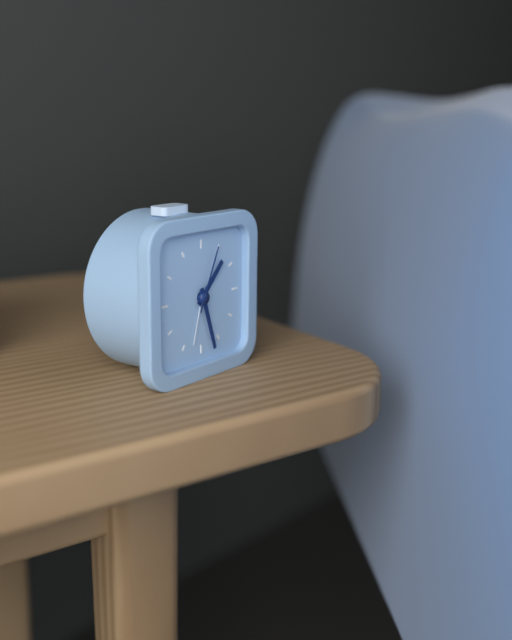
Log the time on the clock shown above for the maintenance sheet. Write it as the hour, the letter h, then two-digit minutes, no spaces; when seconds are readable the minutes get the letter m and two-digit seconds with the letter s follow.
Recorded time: 1h27m04s
